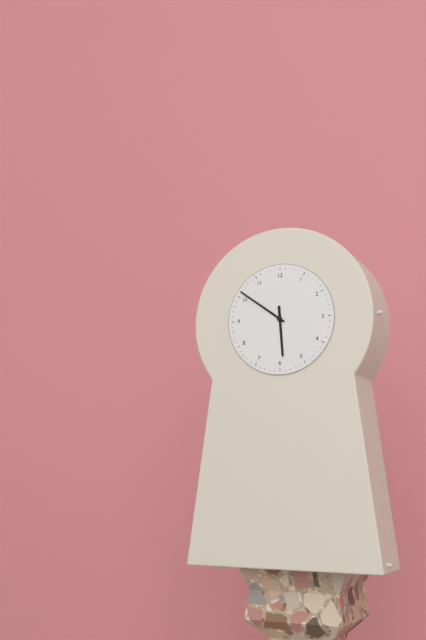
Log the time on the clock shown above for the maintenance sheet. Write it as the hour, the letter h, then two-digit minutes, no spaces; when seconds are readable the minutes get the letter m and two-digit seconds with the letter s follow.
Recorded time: 5h51
